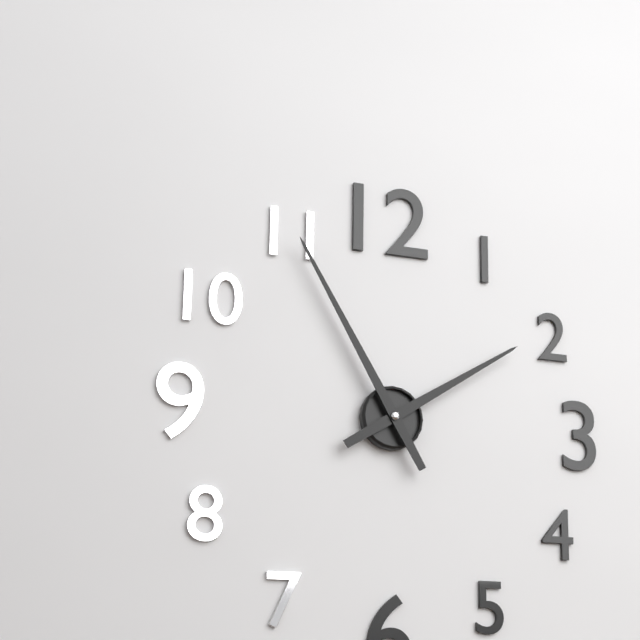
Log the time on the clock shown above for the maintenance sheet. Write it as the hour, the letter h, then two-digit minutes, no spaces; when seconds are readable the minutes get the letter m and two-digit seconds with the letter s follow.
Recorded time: 1h55
